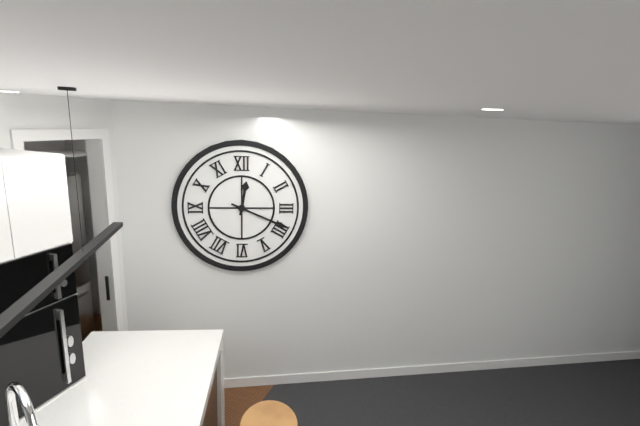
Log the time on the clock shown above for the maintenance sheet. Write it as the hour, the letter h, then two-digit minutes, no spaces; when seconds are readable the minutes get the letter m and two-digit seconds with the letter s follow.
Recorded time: 12h19
